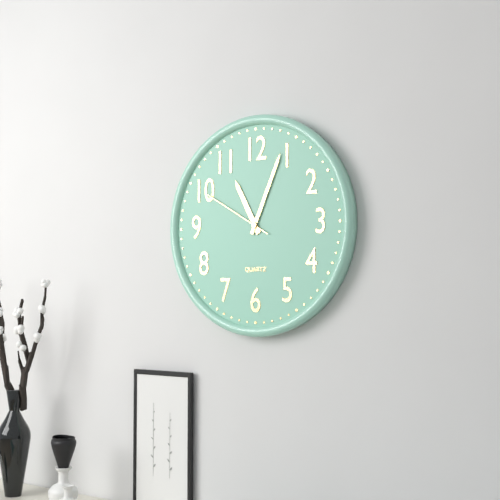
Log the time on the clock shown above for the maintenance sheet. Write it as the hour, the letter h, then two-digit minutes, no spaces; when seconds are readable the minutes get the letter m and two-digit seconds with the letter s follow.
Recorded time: 11h04m50s
